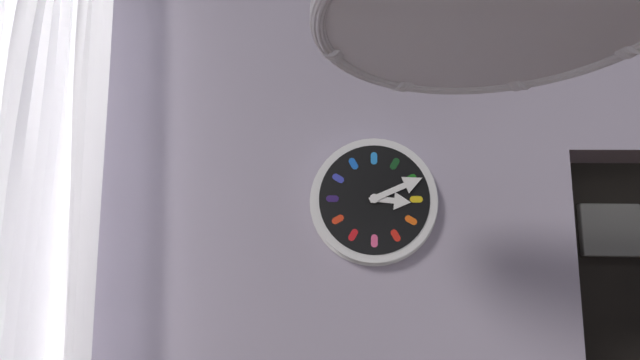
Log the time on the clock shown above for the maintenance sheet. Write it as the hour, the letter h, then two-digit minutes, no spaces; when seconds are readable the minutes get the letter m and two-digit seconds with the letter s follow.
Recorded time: 3h11
